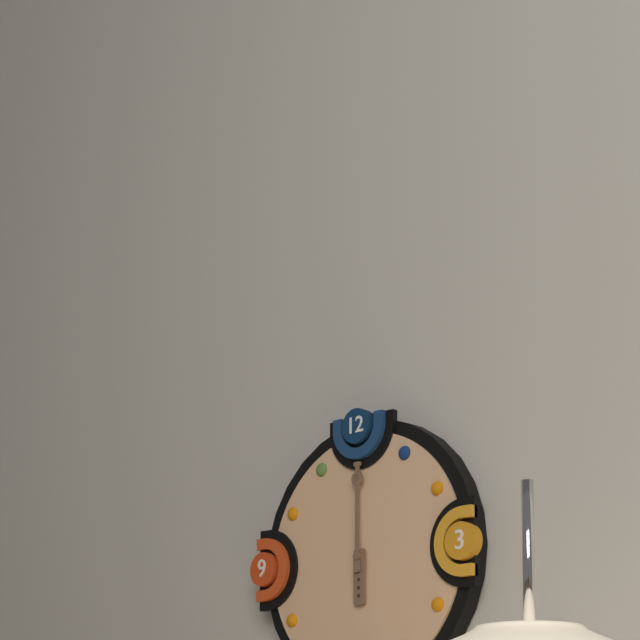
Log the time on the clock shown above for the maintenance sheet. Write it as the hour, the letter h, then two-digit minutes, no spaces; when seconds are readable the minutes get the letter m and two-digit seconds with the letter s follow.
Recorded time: 6h00
